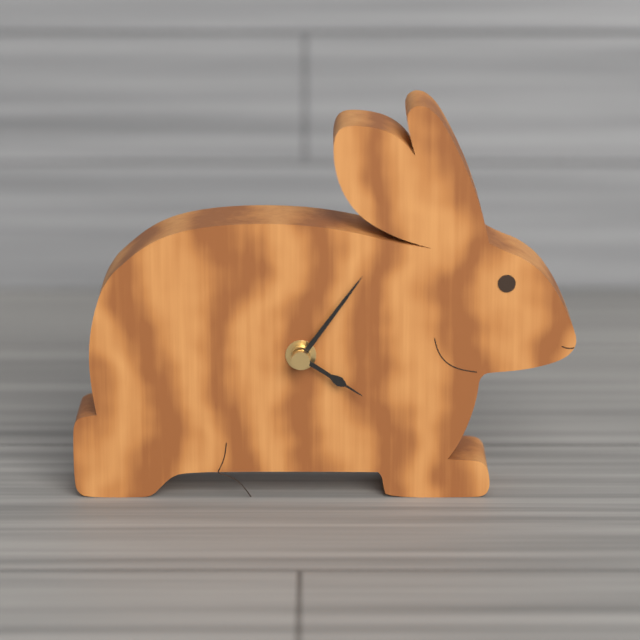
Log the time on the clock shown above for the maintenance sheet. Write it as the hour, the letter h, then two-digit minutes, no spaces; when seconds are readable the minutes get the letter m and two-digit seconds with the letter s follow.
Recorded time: 4h06
